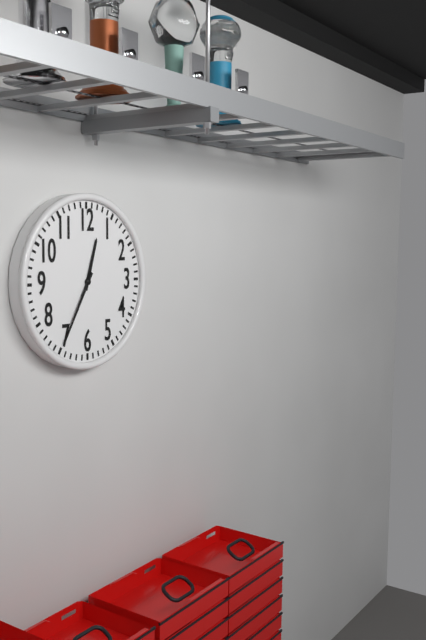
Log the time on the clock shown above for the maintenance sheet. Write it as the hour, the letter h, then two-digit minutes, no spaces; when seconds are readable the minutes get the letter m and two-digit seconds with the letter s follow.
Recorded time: 12h35
